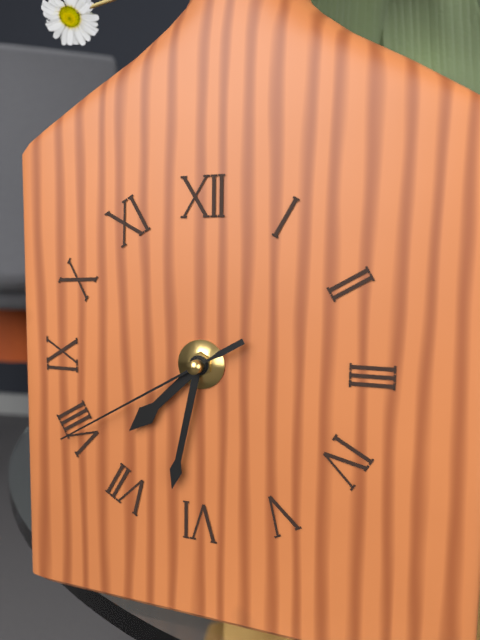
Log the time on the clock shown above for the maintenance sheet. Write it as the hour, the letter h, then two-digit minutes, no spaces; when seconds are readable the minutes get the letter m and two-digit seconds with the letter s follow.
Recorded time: 7h32m40s
